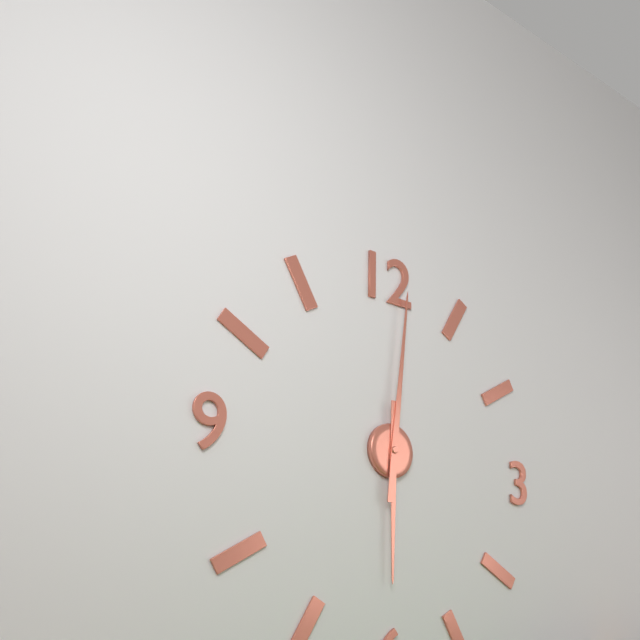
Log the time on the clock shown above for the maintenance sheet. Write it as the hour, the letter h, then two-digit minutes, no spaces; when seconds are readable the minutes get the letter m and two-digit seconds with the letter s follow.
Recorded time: 6h01
